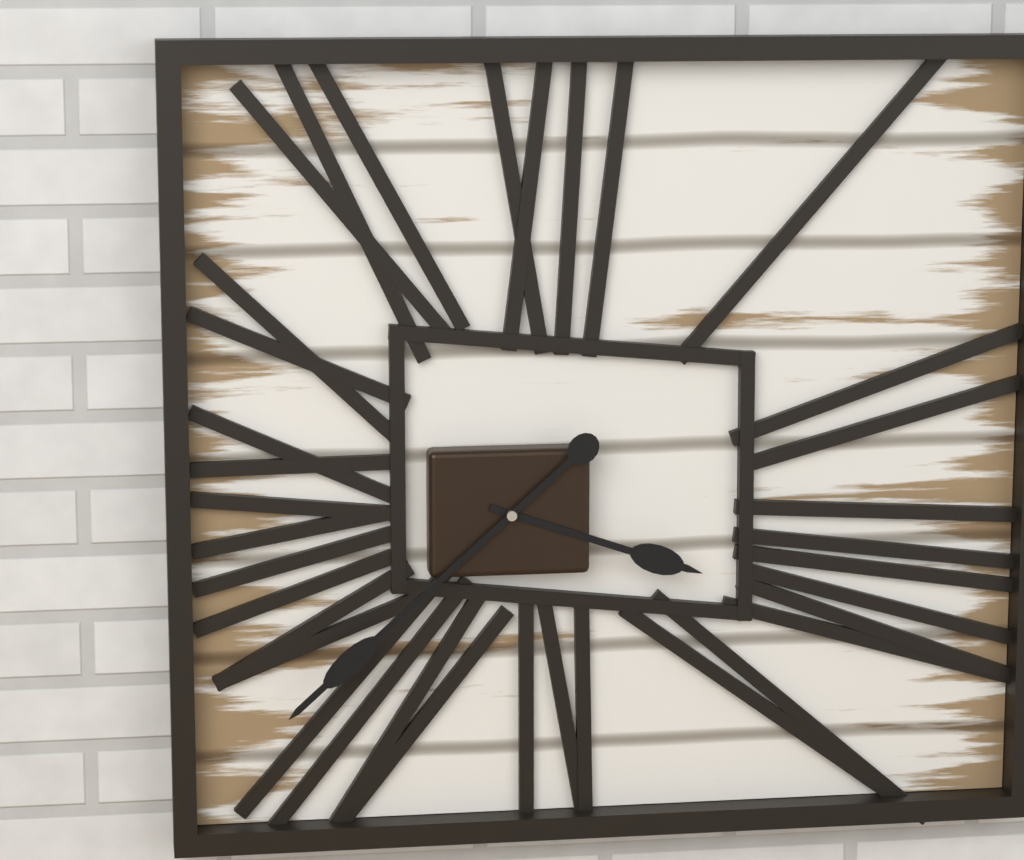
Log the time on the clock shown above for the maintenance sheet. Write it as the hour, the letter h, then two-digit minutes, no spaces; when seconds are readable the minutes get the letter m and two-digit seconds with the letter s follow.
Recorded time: 3h38
